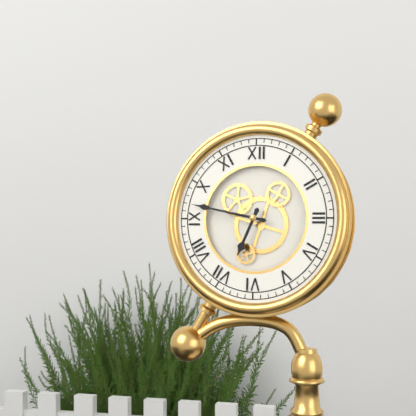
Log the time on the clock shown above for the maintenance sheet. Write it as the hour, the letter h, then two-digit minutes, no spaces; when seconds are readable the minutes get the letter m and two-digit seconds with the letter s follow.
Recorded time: 6h47
